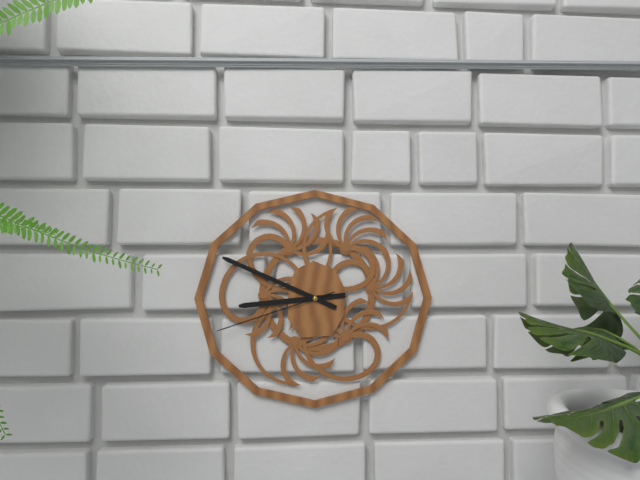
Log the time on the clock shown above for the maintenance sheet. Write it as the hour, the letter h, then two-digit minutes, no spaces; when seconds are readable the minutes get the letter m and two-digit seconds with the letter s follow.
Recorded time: 8h49m42s
